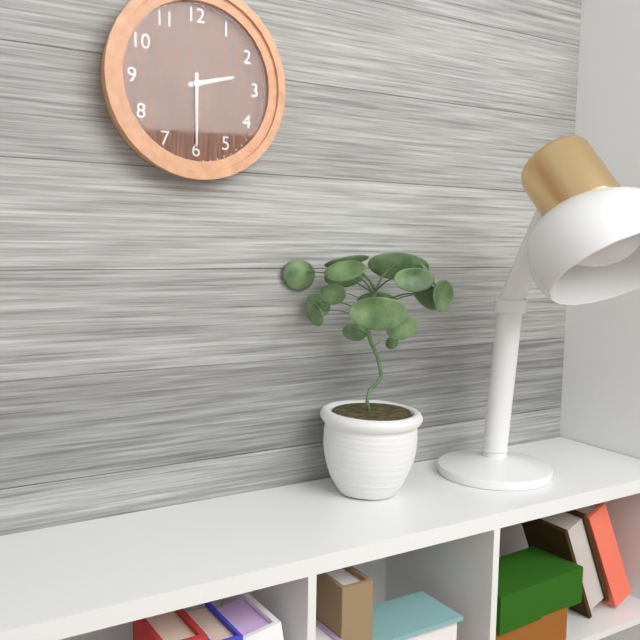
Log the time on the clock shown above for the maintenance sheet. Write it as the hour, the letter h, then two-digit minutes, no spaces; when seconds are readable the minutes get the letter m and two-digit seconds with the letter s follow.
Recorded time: 2h30
